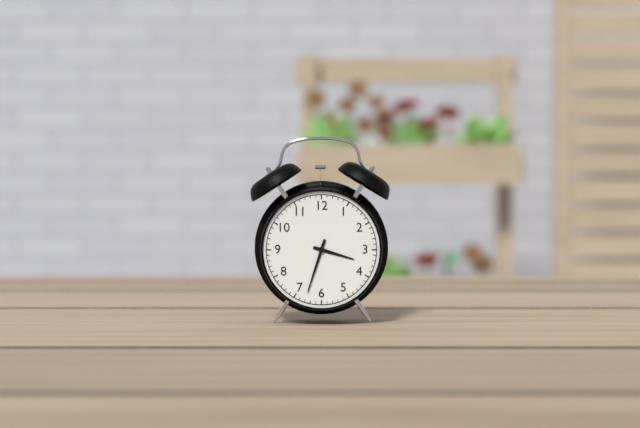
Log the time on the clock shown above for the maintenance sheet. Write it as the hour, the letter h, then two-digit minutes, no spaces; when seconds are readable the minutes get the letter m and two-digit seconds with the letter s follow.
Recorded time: 3h33
